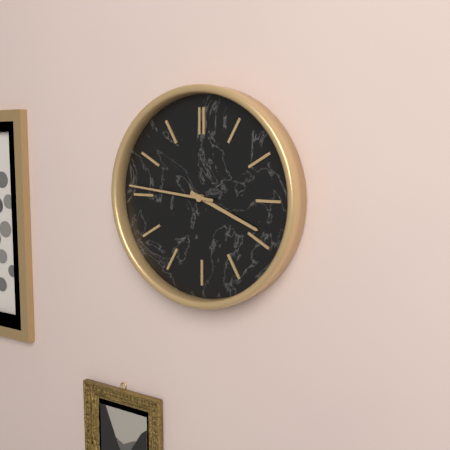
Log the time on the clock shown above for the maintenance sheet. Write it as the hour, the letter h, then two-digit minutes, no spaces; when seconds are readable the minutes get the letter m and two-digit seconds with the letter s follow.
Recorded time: 3h46
